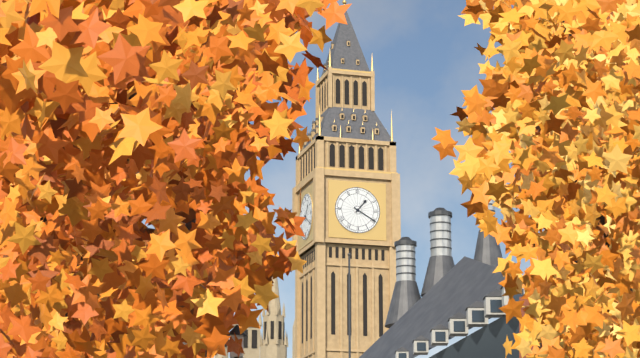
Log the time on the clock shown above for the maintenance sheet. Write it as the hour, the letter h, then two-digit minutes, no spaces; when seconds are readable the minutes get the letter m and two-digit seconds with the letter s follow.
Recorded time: 1h20
